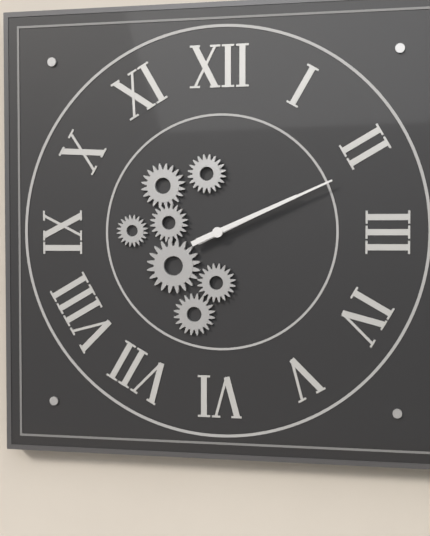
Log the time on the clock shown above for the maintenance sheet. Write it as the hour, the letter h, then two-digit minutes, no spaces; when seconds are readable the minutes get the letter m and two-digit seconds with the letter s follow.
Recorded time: 2h11
